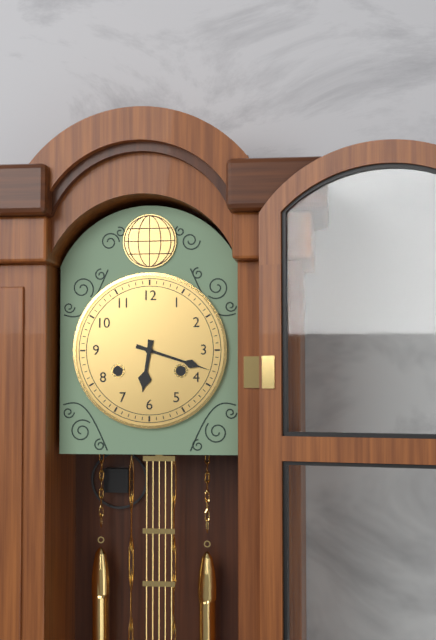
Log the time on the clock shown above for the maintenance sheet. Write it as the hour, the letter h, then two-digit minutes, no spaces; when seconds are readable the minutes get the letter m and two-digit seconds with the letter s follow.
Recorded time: 6h18
